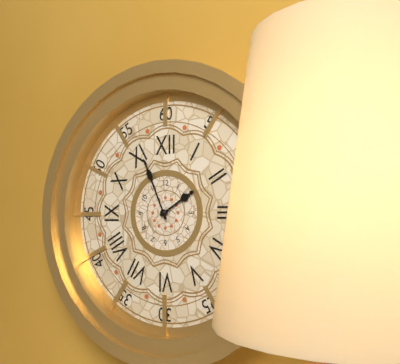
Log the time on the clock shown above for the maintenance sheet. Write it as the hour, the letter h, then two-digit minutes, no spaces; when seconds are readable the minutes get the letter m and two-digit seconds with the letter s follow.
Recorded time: 1h56
